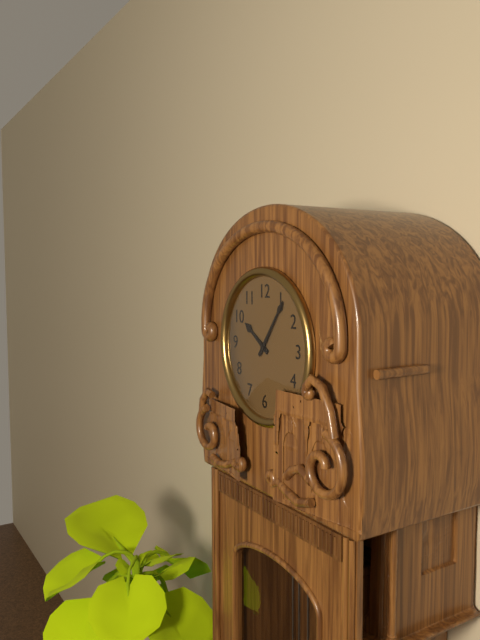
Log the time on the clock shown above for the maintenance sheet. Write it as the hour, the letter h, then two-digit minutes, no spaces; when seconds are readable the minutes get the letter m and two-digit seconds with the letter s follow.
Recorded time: 10h06
